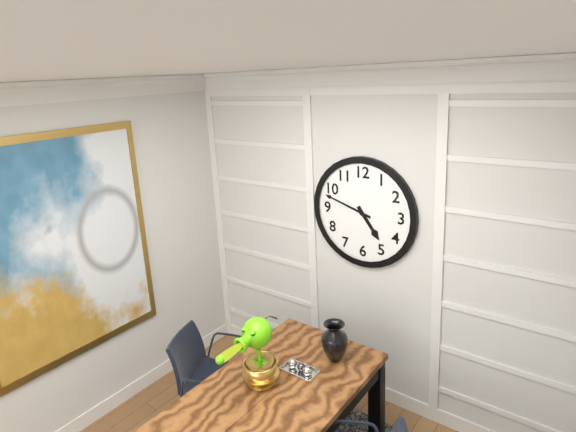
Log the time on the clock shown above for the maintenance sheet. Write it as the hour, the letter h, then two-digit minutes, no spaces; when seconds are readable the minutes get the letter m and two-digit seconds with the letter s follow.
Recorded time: 4h48
